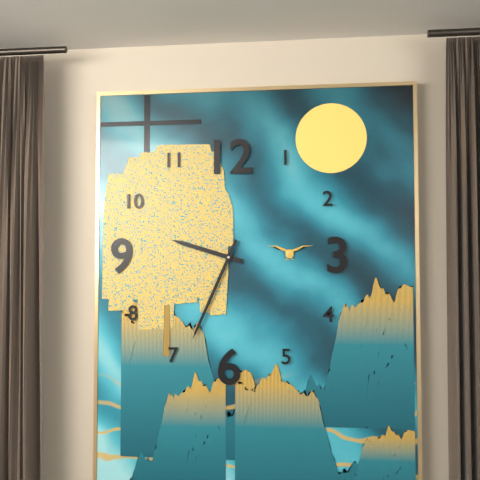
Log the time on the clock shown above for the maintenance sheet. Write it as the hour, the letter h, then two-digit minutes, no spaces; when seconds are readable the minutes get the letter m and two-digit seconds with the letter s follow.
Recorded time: 9h34
